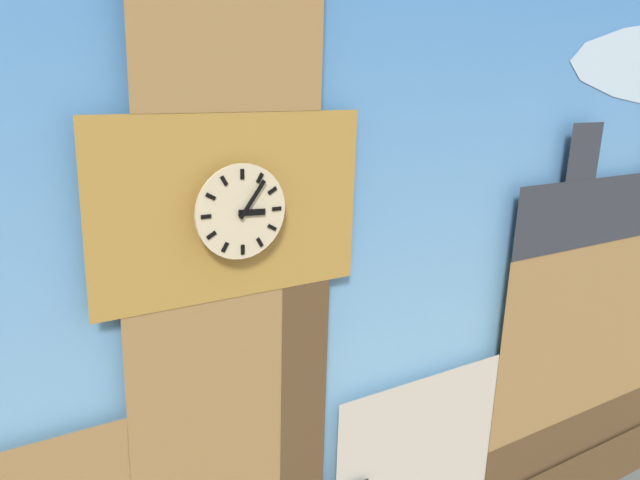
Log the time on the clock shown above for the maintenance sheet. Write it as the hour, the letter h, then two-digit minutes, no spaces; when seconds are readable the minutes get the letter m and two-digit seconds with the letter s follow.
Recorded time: 3h06
